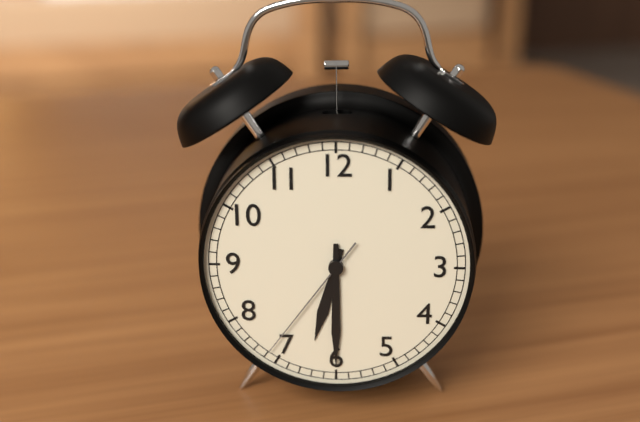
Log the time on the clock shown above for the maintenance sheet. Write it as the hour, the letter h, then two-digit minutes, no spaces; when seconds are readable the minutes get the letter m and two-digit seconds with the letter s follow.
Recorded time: 6h30m36s
